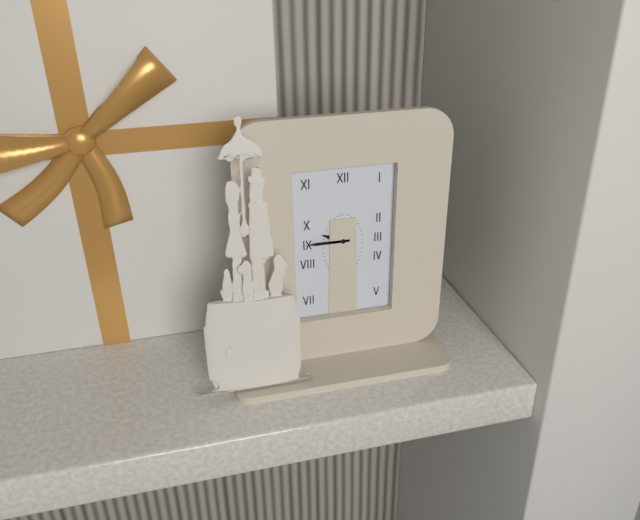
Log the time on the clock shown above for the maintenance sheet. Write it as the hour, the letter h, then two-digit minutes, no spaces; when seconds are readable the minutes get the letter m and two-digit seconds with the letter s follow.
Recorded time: 9h45
